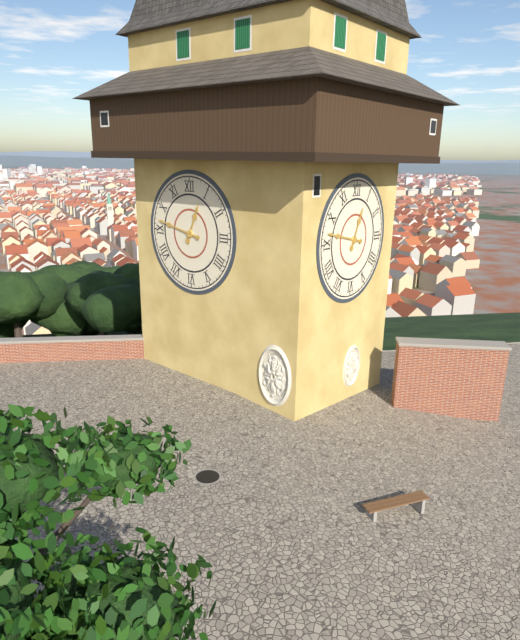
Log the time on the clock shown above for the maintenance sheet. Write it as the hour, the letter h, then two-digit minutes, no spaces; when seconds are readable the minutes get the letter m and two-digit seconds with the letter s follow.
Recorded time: 12h47
